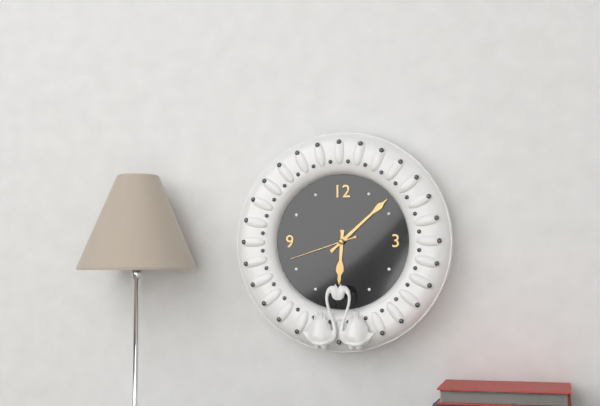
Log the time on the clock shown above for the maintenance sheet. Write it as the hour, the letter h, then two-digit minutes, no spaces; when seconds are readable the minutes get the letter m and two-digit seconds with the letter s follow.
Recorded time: 6h08m42s
